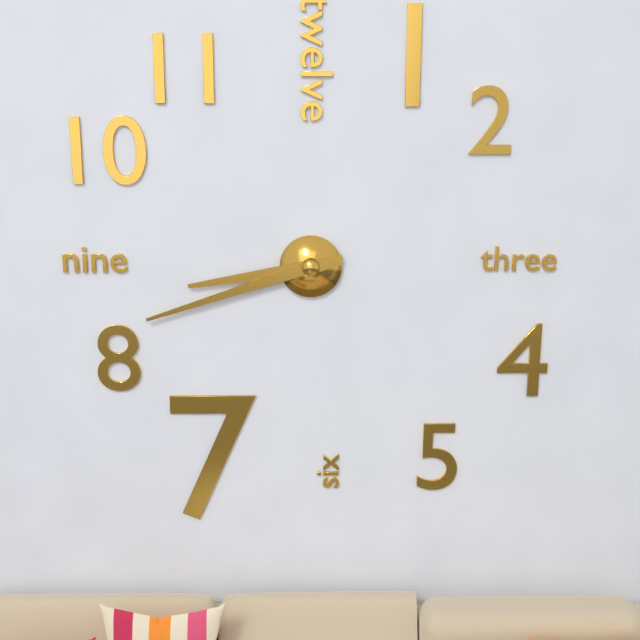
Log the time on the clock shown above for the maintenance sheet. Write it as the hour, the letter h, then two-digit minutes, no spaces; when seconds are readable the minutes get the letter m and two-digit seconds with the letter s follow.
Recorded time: 8h42
